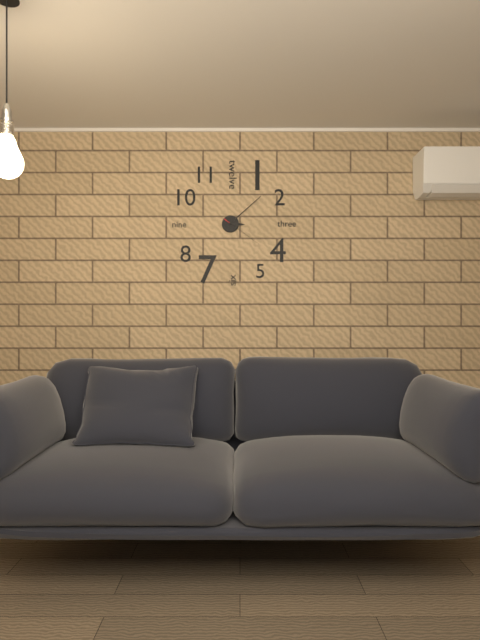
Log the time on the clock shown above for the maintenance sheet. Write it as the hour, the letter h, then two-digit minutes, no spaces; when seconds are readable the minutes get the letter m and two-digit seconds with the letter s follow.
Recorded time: 3h08
